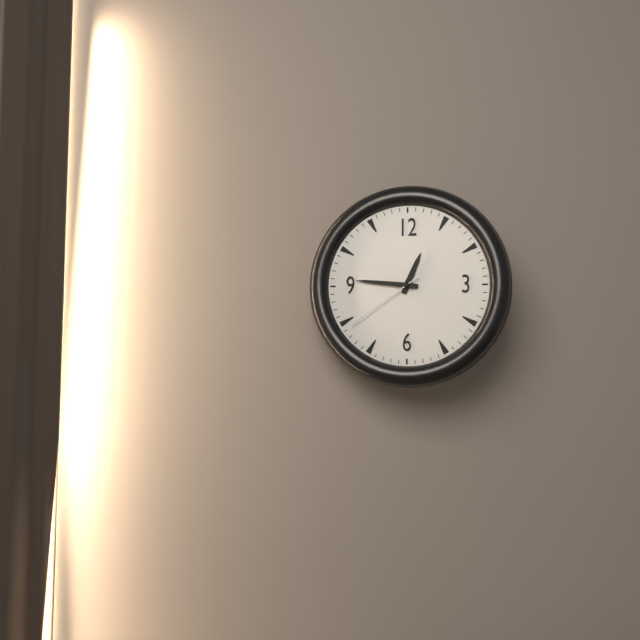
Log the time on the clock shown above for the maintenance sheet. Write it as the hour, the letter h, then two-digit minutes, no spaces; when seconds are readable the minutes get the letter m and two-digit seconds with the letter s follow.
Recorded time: 12h46m39s
